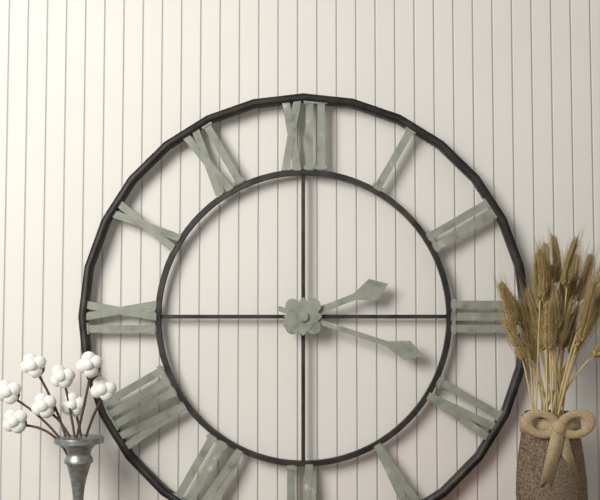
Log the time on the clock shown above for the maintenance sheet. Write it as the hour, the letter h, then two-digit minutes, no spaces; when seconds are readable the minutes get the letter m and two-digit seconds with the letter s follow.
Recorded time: 2h18
